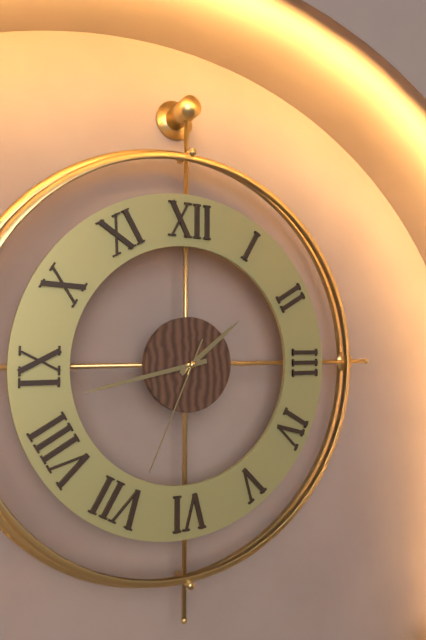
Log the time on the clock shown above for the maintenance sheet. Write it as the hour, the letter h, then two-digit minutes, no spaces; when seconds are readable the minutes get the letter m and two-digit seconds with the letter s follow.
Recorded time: 1h43m34s
